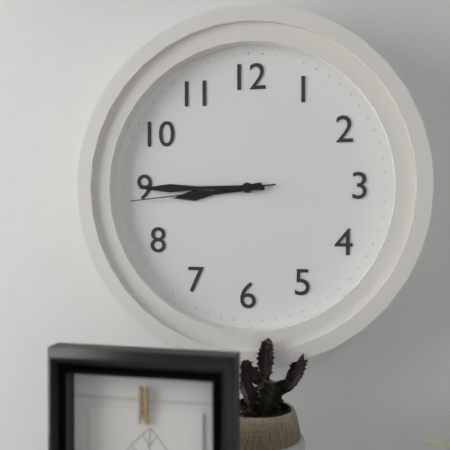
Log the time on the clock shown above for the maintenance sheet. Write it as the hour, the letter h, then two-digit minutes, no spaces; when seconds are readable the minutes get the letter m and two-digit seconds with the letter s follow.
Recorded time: 8h45m44s
